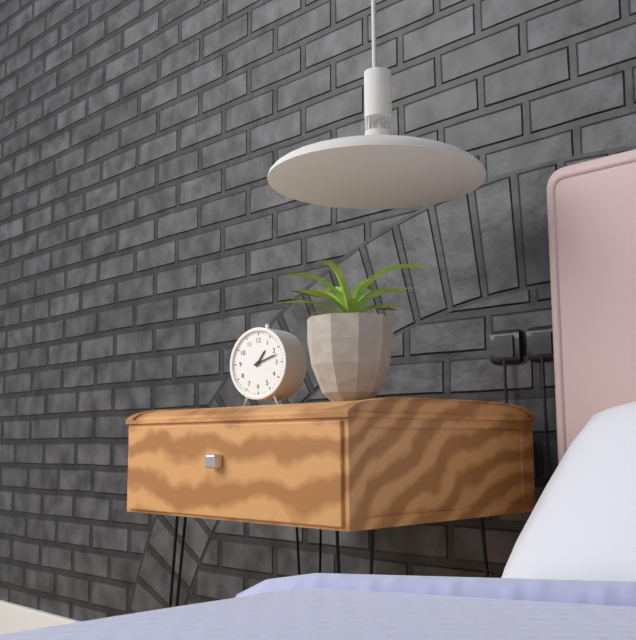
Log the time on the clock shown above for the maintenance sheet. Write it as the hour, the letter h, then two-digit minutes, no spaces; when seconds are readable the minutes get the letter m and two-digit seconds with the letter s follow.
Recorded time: 1h12
